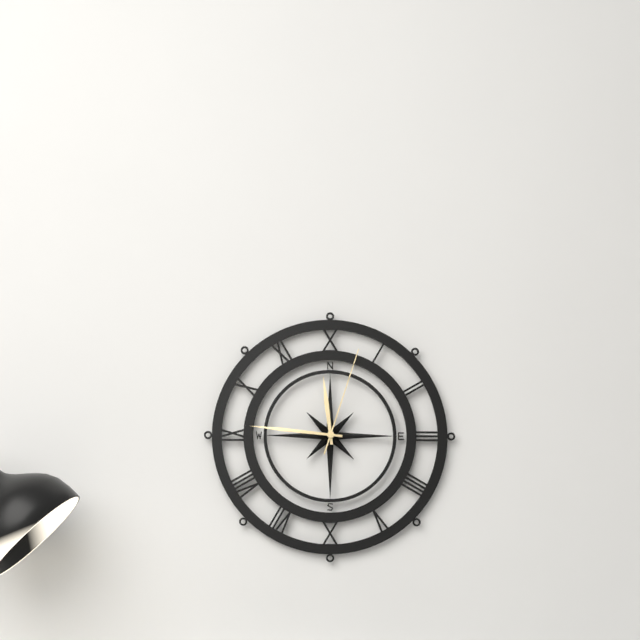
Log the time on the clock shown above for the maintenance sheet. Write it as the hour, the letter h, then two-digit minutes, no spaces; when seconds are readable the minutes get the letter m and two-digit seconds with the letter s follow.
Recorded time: 11h46m03s
